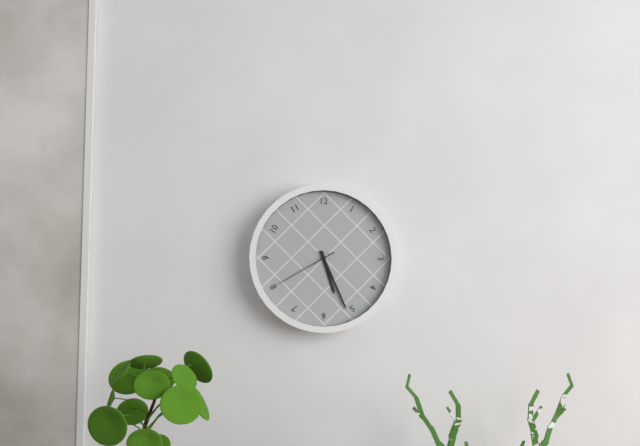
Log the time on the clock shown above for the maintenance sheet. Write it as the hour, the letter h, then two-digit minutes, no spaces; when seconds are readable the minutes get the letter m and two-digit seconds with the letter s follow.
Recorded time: 5h26m40s
